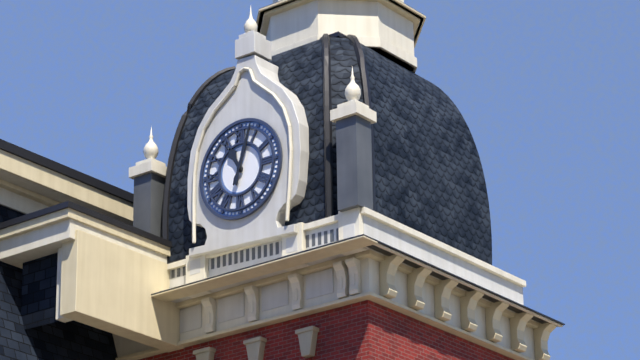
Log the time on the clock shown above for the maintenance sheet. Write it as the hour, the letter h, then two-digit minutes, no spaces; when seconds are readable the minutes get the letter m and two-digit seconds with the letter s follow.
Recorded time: 11h03
